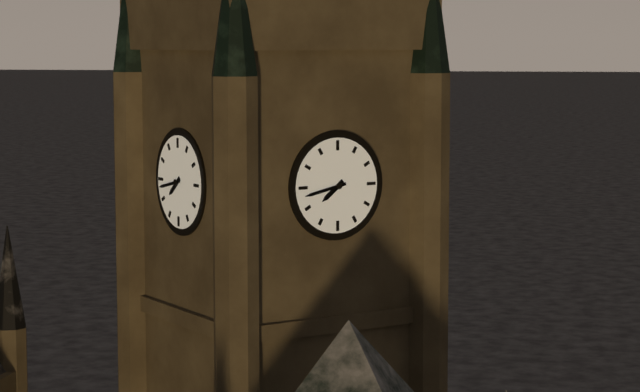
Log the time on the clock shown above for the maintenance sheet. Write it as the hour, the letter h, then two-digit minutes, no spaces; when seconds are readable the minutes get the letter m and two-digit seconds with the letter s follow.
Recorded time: 7h43
